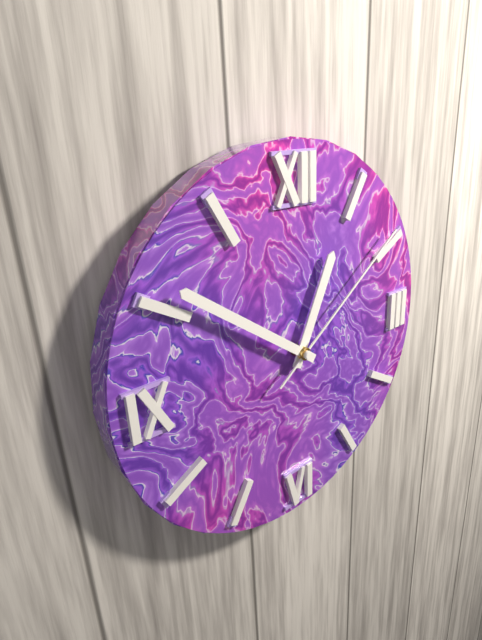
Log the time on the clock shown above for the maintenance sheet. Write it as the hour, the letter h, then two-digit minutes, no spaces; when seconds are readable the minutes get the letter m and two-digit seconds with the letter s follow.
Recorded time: 12h51m09s
